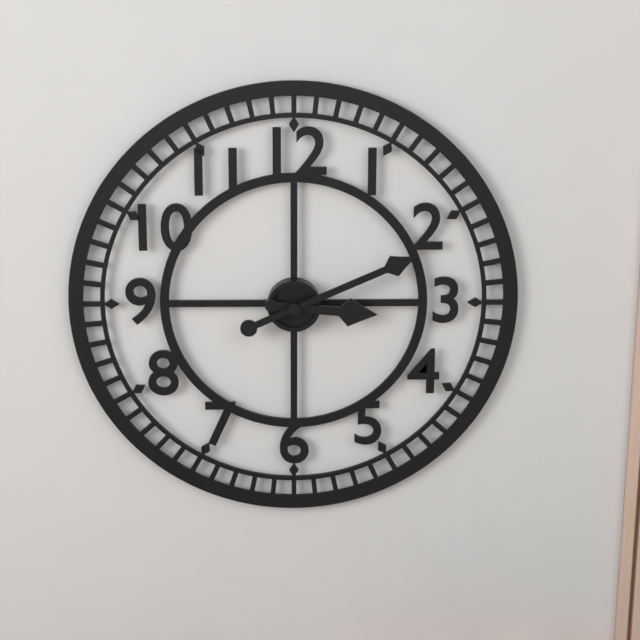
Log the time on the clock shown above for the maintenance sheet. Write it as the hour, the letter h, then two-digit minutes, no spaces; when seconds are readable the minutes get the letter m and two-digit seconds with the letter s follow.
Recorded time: 3h11
